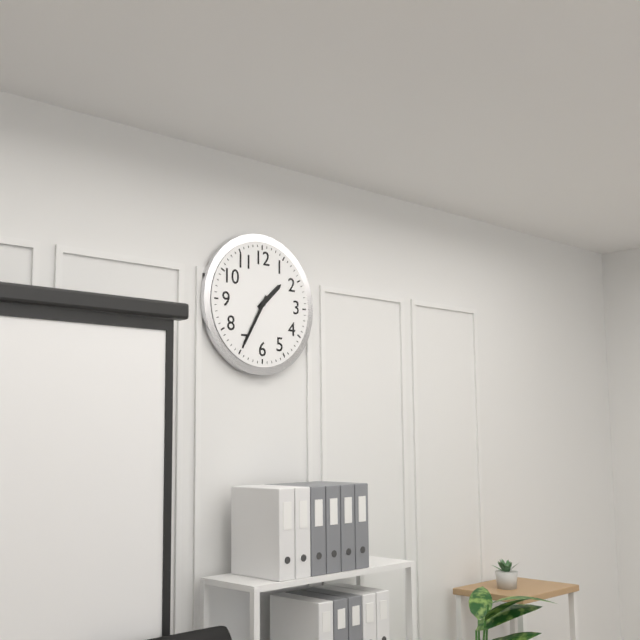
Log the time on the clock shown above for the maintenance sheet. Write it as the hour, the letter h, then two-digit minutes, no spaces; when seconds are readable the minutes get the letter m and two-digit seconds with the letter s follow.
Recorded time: 1h35
